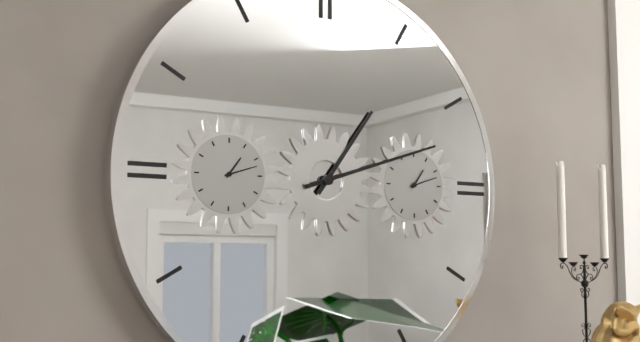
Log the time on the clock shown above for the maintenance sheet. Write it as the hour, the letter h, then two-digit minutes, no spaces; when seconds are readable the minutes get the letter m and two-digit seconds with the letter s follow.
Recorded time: 1h12
